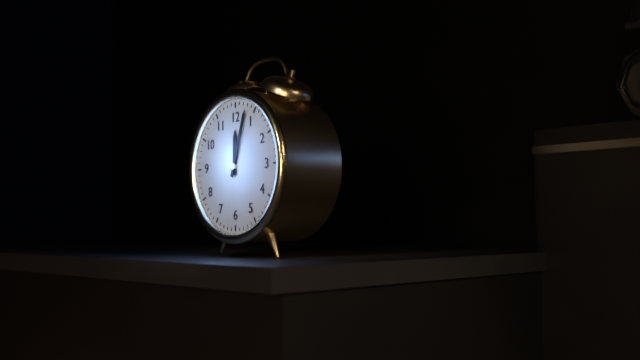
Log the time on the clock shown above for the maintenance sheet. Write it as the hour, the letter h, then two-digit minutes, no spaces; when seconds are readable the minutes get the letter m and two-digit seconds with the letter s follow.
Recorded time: 12h03
